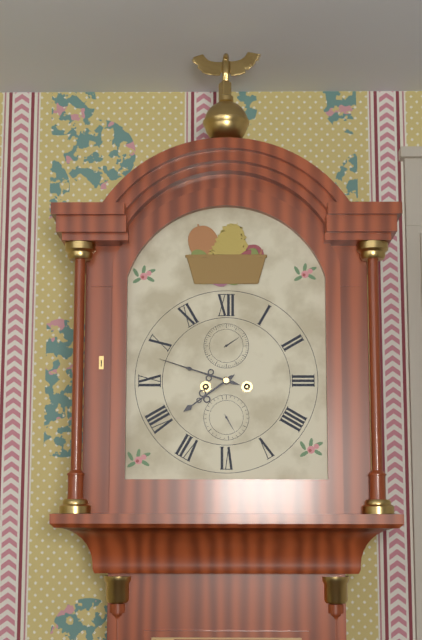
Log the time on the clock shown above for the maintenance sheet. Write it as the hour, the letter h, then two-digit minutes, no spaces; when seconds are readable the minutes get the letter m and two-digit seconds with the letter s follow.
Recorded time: 7h48
